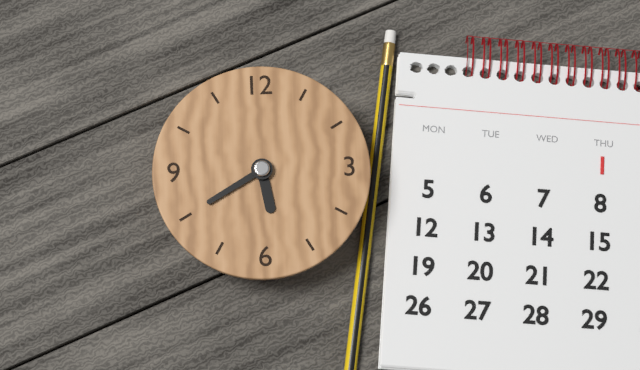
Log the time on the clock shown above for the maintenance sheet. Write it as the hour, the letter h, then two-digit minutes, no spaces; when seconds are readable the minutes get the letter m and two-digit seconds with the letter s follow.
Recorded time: 5h40
